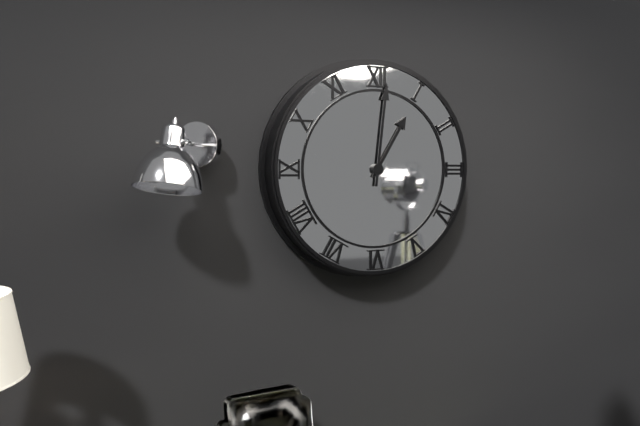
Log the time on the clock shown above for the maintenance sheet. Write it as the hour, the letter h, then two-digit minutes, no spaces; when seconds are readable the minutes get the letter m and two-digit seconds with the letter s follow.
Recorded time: 1h01
